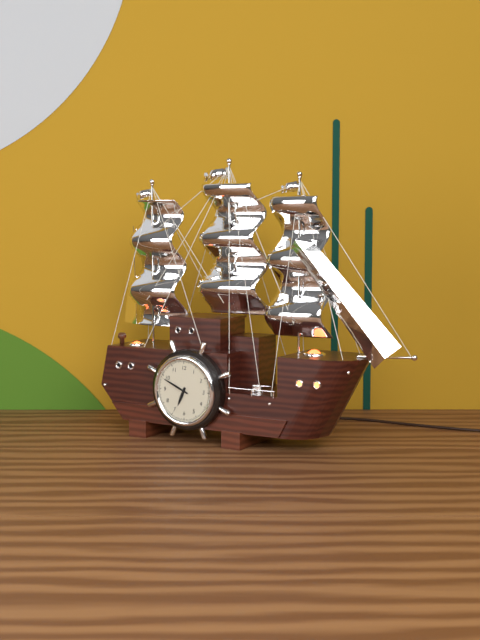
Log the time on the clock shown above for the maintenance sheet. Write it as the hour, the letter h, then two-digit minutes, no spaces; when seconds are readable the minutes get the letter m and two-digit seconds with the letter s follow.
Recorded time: 6h49
